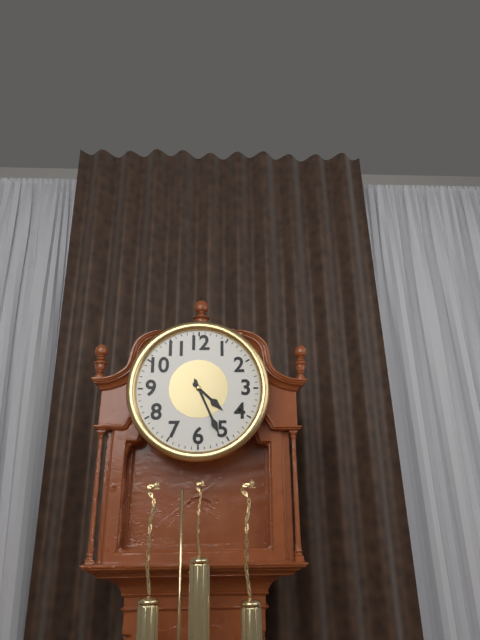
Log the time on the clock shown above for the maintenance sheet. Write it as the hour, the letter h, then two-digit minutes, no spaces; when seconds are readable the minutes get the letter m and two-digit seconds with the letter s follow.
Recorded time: 4h26
